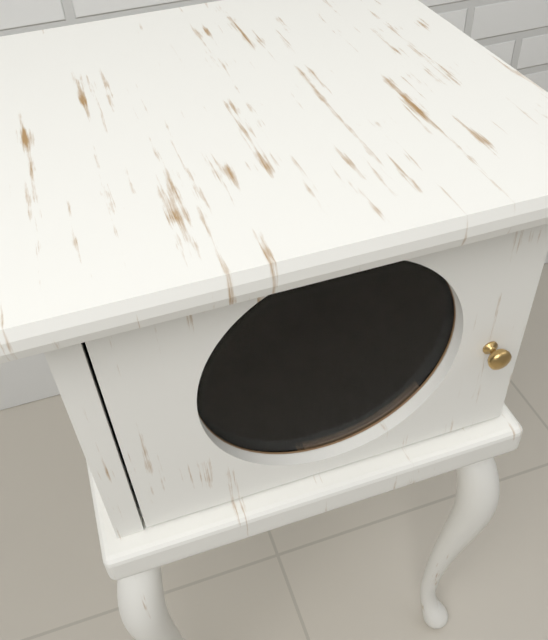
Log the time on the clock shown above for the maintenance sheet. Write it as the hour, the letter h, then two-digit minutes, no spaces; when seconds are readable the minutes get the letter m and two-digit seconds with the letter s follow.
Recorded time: 3h13m55s
